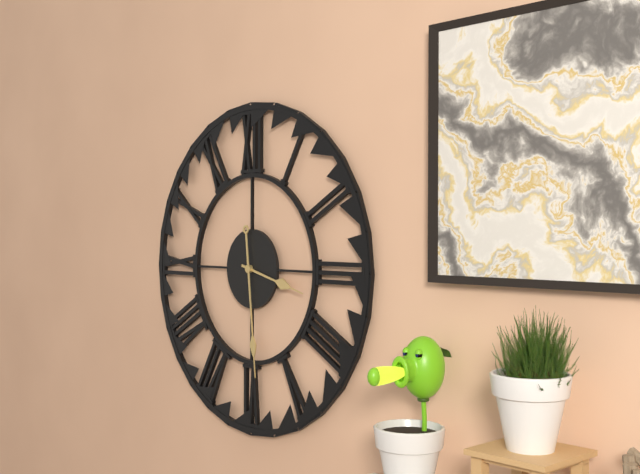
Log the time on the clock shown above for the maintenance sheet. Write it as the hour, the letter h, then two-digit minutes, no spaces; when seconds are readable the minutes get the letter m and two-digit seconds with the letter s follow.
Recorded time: 3h29
